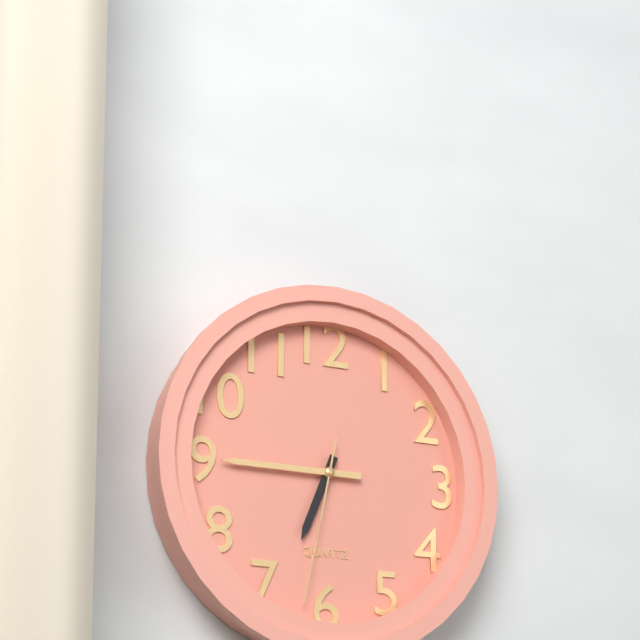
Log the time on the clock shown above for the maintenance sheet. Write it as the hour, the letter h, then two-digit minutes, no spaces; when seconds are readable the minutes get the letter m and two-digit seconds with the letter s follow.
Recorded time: 6h45m32s
